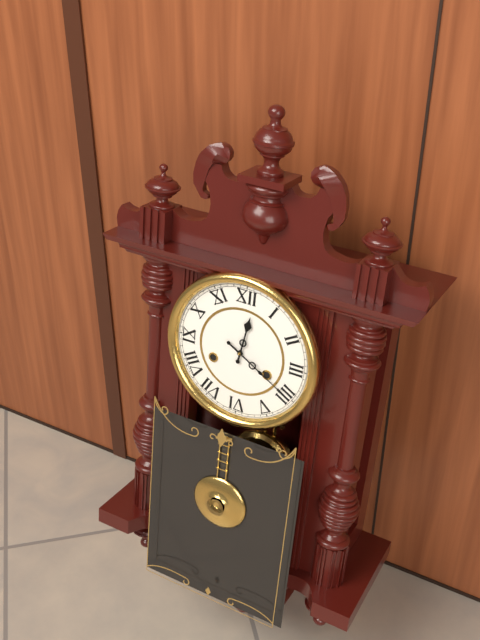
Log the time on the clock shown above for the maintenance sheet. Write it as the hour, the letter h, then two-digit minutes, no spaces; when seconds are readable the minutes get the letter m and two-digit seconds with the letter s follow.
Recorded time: 12h20
